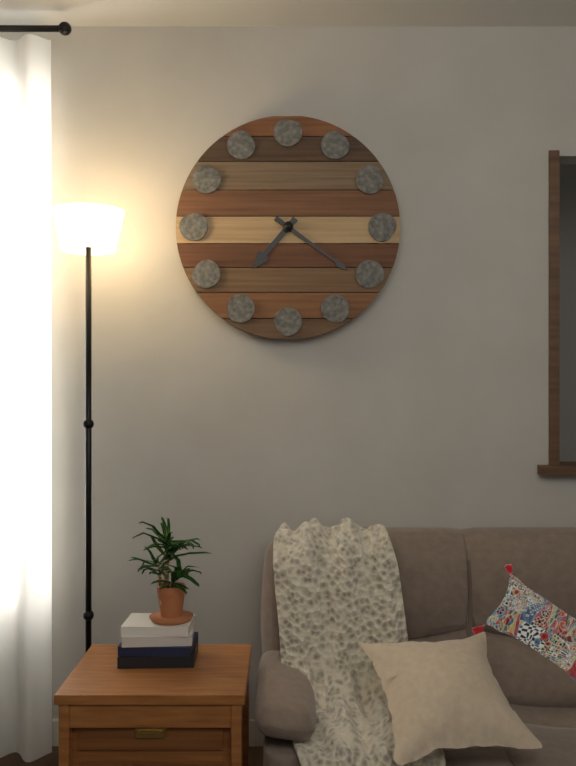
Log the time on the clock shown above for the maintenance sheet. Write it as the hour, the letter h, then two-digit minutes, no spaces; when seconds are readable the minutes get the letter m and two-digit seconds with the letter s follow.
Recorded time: 7h21
